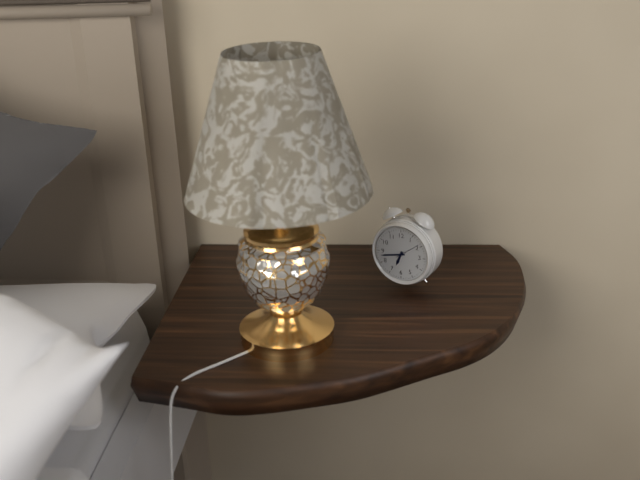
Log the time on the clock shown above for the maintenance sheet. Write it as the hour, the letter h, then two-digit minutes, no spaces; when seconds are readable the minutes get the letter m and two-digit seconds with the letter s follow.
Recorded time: 6h43
